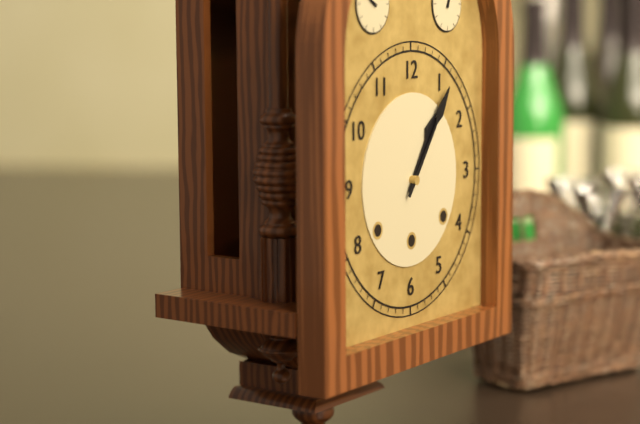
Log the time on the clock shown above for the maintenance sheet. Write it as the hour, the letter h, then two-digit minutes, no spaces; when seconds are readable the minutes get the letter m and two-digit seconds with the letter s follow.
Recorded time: 1h06
